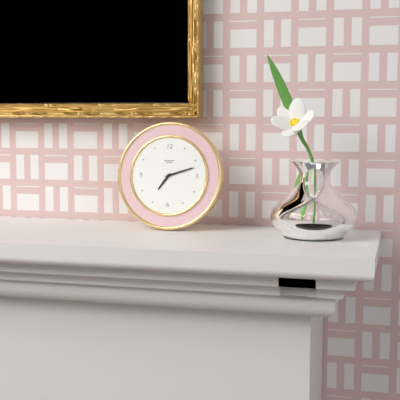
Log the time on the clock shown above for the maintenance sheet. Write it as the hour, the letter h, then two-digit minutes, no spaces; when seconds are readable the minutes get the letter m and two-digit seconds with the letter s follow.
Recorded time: 7h12
